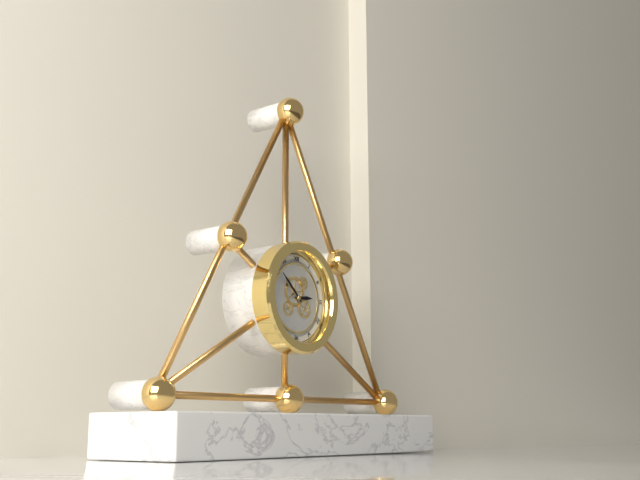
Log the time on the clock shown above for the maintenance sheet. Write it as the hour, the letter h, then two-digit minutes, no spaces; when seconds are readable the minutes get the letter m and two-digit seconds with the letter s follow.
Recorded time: 2h52
